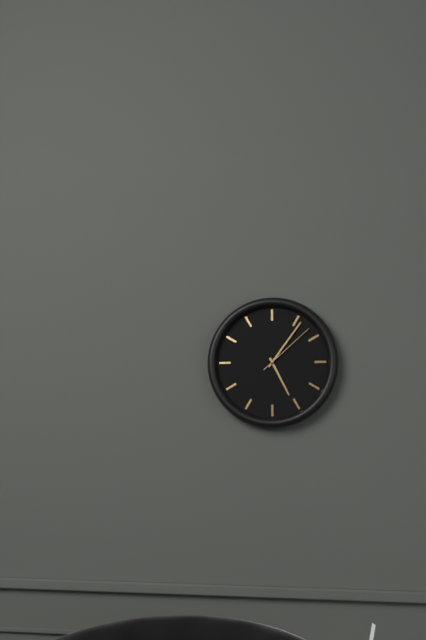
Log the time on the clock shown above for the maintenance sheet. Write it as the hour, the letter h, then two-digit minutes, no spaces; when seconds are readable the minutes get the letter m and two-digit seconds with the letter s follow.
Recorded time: 5h06m08s
